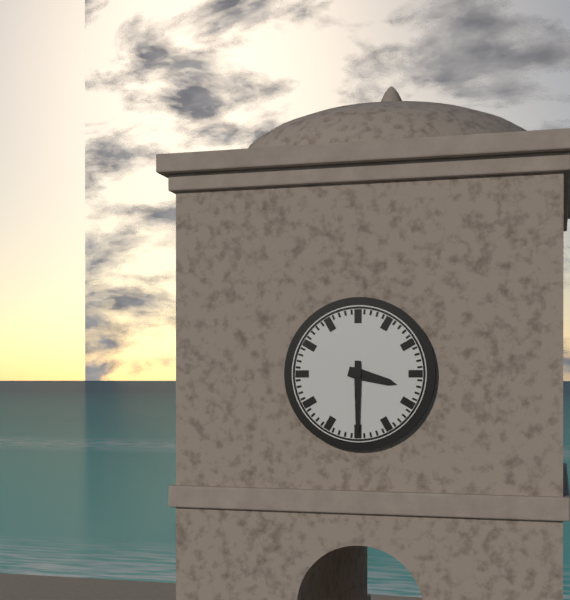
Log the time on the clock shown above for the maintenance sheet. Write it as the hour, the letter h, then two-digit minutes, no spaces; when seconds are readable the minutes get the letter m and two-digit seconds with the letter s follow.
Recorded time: 3h30
